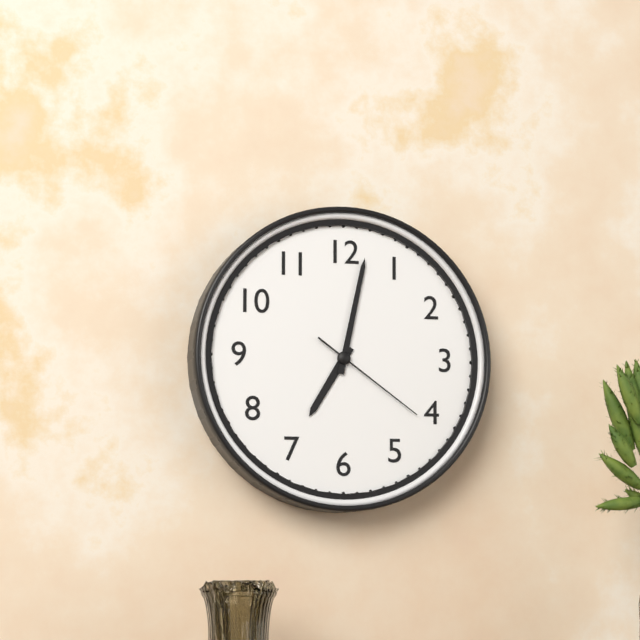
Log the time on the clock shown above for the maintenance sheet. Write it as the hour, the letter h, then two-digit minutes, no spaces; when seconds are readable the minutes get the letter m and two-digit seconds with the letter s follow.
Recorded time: 7h02m21s
